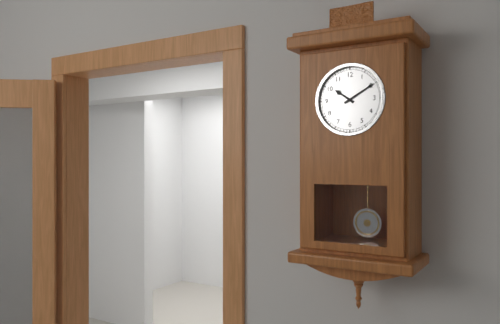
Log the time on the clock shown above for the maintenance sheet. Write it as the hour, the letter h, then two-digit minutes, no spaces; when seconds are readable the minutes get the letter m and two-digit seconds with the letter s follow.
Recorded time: 10h10
